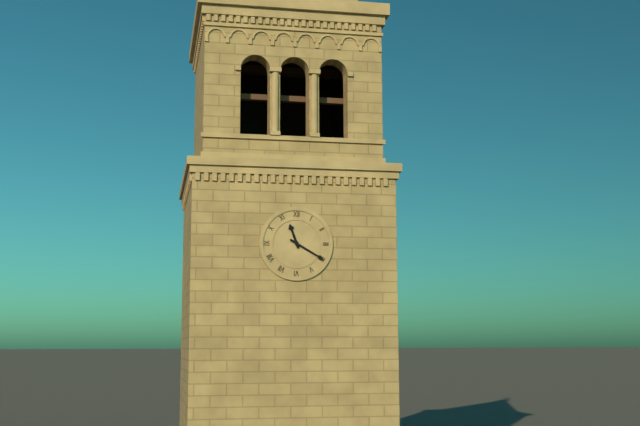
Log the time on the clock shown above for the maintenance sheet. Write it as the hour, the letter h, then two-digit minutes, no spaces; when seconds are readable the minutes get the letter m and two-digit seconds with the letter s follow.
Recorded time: 11h20
